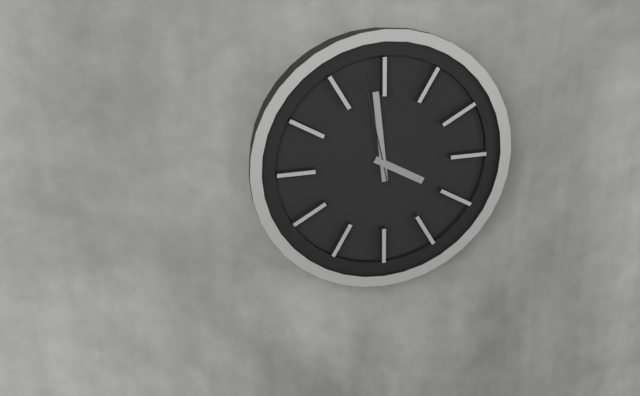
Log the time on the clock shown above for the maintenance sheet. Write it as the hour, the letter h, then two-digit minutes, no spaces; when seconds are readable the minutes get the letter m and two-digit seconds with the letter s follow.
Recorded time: 3h59m58s
